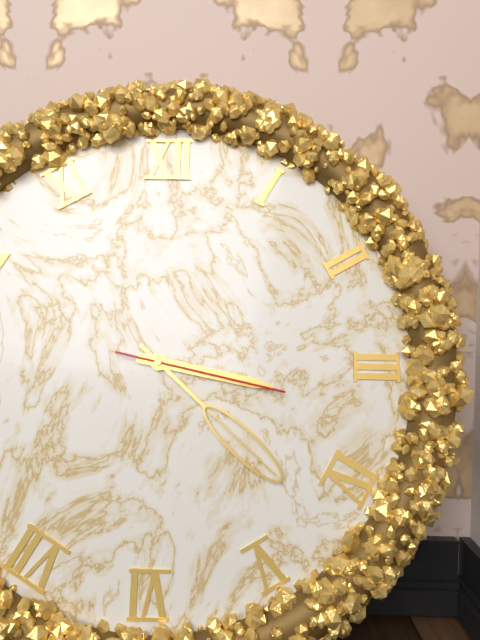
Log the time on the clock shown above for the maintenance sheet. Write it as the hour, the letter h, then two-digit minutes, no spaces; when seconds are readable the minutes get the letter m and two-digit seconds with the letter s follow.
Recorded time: 3h22m17s
